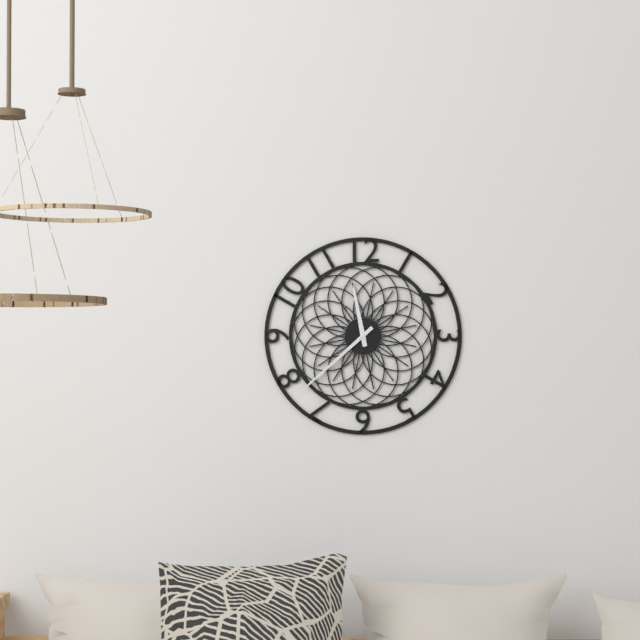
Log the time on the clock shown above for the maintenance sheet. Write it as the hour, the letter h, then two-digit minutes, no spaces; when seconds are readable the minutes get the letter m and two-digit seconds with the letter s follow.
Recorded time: 11h38
